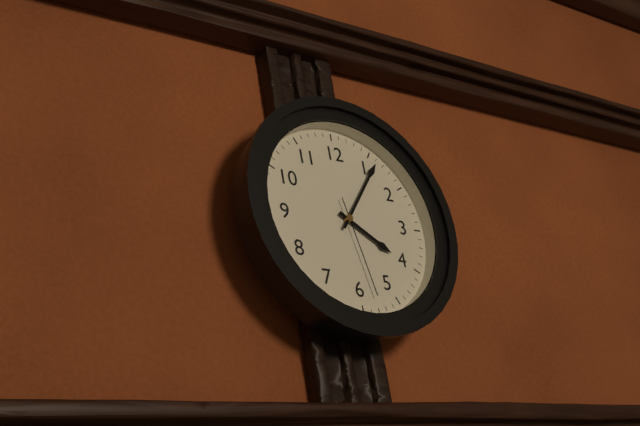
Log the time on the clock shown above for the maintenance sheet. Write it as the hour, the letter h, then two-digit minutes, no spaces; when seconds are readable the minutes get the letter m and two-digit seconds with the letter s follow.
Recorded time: 4h06m28s
